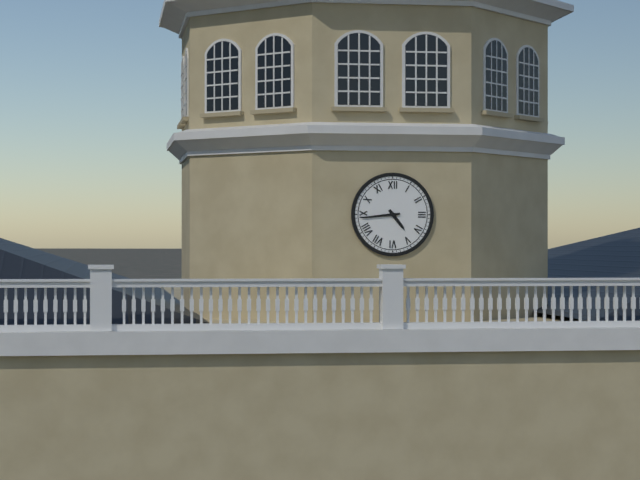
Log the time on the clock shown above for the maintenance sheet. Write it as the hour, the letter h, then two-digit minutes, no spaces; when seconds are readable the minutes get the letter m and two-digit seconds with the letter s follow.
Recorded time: 4h44
